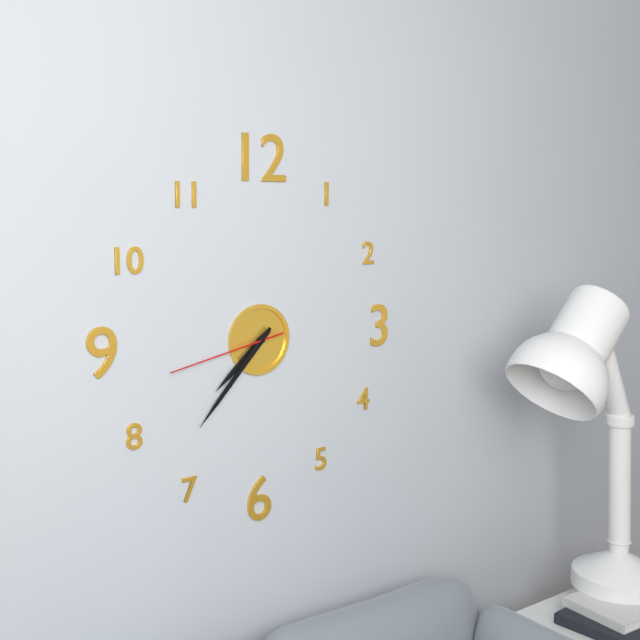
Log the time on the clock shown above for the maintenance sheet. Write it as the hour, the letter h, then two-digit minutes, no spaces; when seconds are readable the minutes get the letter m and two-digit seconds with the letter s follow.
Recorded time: 7h37m43s
